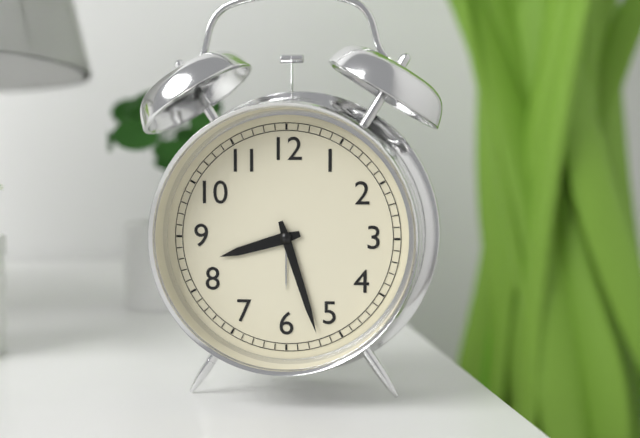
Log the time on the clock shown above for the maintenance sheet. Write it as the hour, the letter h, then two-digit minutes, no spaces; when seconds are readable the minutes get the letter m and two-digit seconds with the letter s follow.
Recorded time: 8h27
